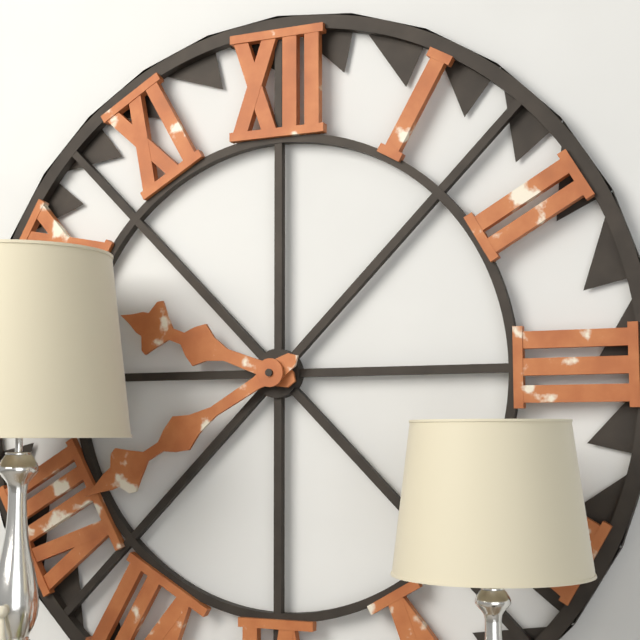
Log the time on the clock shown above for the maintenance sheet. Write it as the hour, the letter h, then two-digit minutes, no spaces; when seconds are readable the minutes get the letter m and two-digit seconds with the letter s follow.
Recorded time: 9h40
